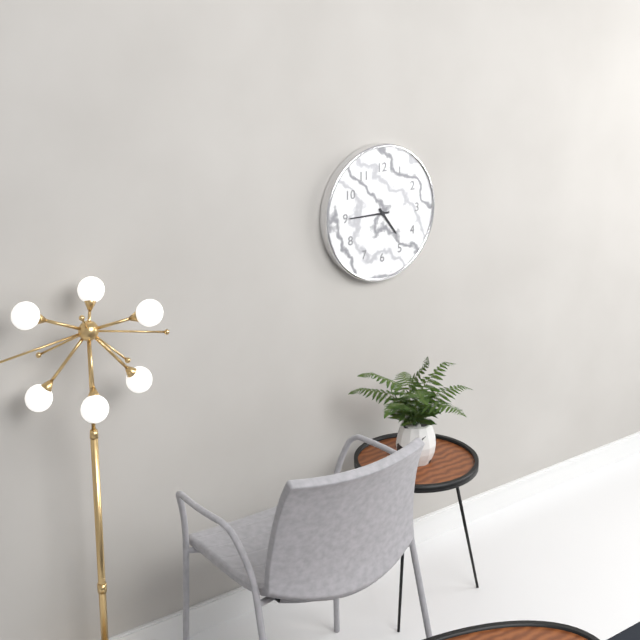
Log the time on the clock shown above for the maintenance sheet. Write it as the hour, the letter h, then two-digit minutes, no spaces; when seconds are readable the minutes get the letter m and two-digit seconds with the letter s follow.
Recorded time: 4h45
